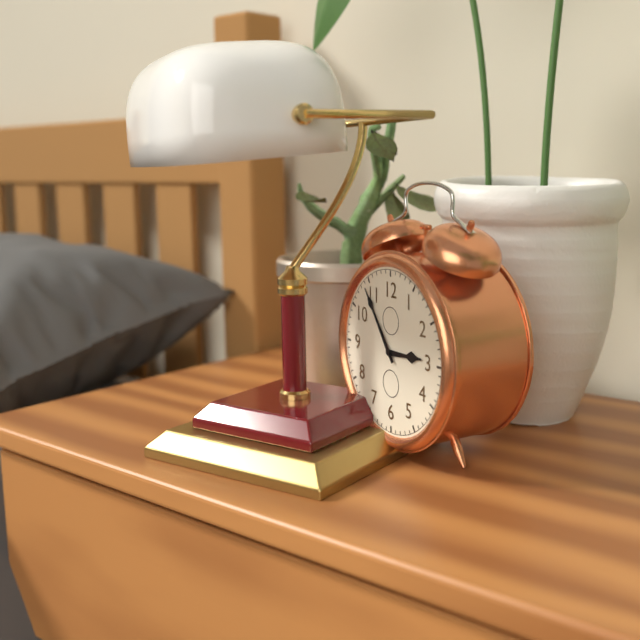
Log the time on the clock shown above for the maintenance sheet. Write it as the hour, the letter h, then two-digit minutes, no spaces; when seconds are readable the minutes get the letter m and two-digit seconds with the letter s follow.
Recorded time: 2h54
